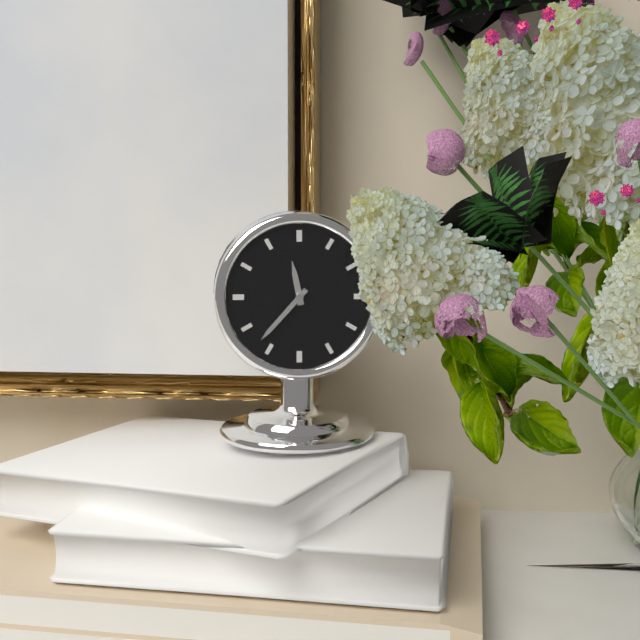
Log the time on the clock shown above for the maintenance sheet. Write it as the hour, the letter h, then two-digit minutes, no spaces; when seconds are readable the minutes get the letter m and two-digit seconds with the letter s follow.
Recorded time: 11h37
